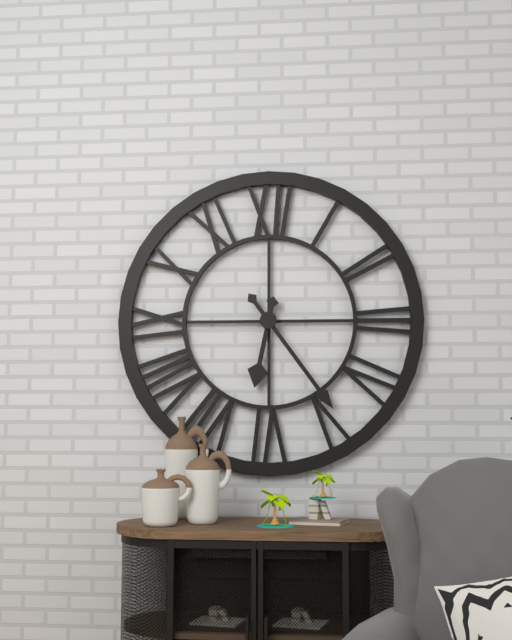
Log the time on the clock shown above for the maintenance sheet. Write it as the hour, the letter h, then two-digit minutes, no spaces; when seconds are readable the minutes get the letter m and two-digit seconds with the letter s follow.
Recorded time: 6h24
